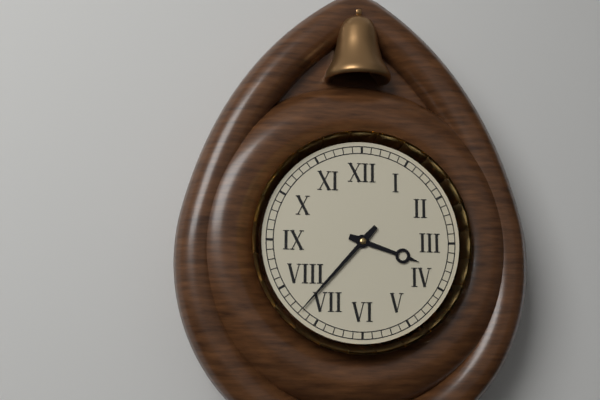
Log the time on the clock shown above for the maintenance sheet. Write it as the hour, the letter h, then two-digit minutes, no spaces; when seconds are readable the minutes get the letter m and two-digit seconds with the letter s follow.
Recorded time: 3h37
